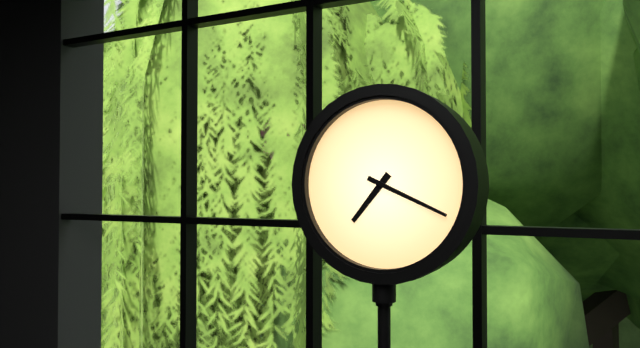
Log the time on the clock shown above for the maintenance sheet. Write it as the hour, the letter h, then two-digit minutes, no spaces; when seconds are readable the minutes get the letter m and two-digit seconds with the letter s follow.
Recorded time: 7h19
